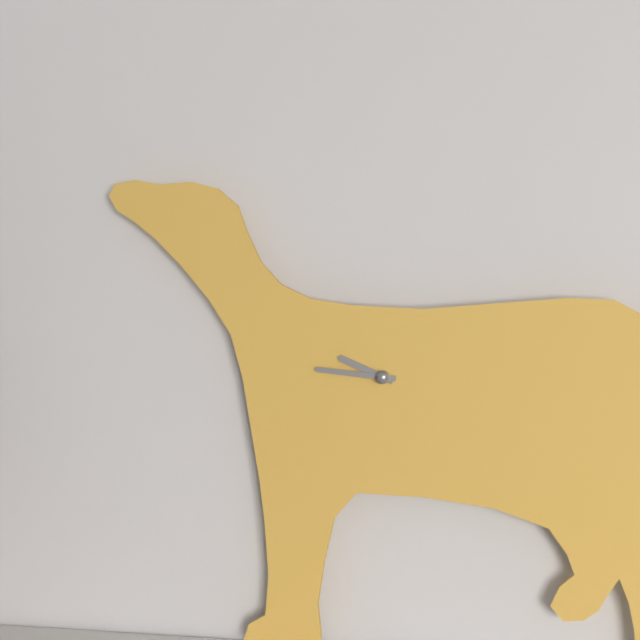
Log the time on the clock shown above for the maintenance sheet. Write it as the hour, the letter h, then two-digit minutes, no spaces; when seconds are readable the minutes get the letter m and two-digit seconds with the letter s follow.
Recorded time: 9h46
